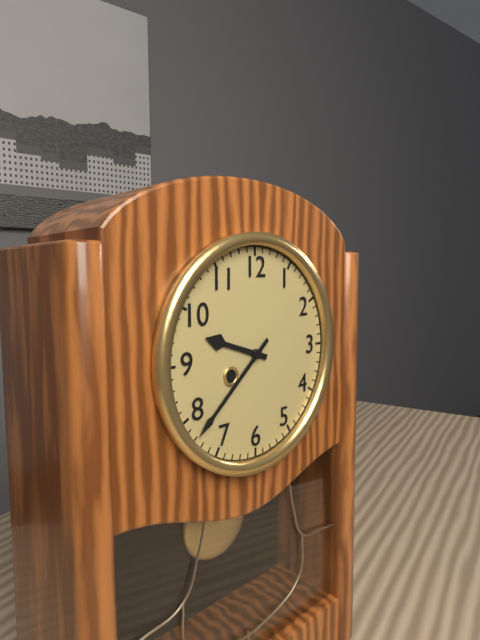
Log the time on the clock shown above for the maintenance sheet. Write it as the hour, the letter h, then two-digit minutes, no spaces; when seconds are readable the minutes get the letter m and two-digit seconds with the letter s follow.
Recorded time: 9h38
